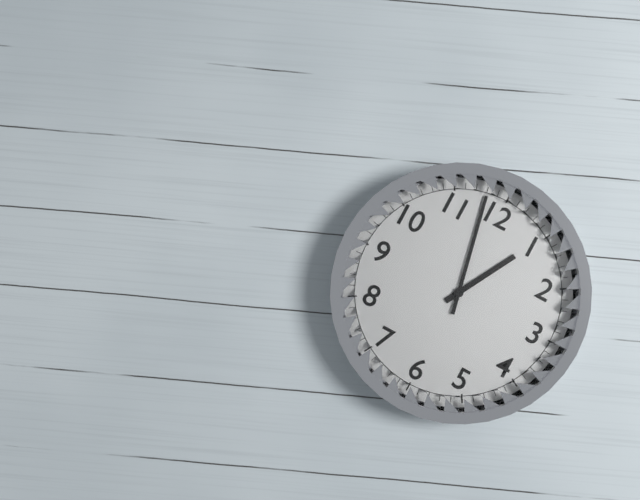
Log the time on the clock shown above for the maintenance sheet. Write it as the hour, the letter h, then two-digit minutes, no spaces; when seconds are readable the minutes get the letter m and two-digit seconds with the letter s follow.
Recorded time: 12h58
